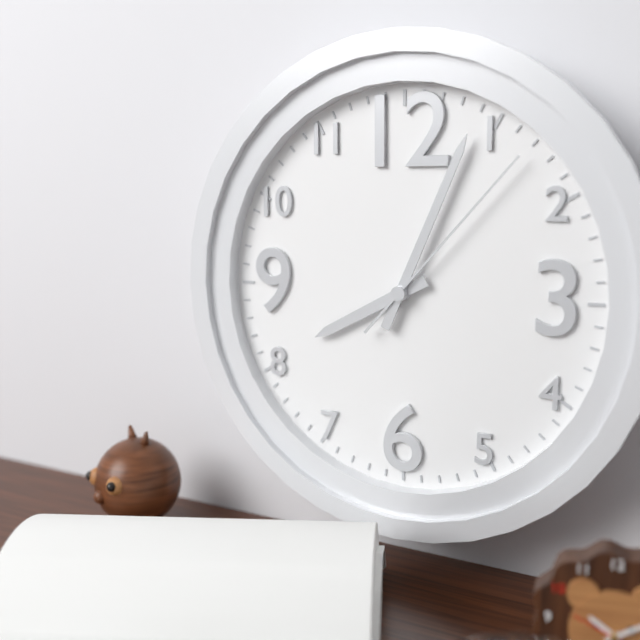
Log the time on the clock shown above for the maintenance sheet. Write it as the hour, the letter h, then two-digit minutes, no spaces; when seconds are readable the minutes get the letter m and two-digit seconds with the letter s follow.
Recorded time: 8h04m07s
